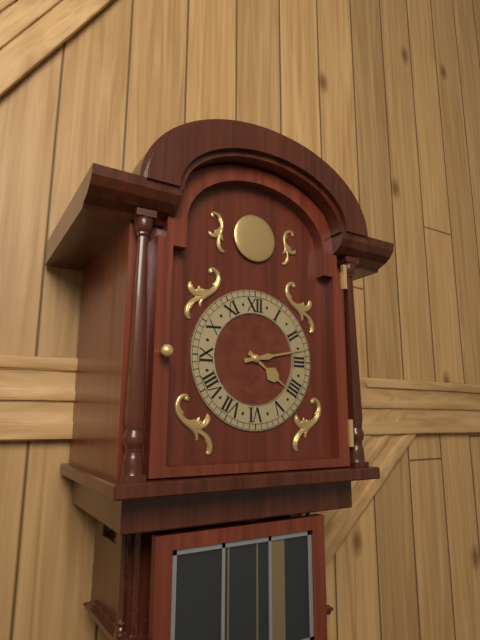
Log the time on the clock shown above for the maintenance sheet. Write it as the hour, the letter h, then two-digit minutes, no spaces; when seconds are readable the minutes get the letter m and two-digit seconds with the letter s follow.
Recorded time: 4h13
